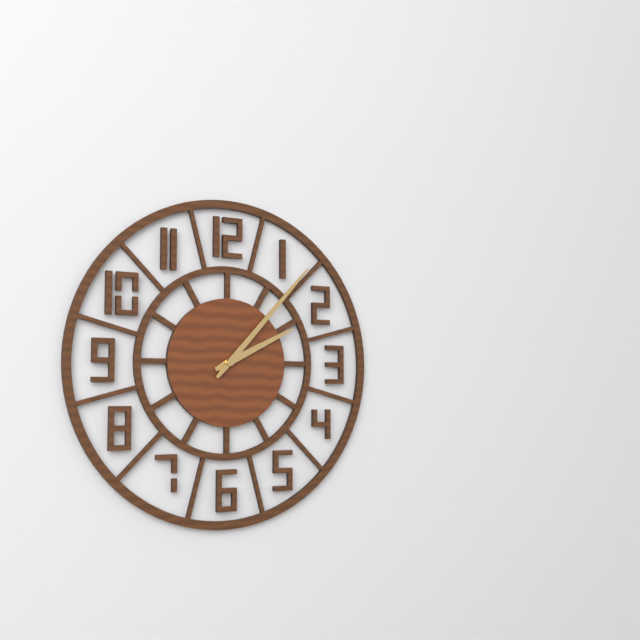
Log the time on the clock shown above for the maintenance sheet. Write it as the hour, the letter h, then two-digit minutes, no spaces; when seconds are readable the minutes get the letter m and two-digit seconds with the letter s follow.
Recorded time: 2h07
